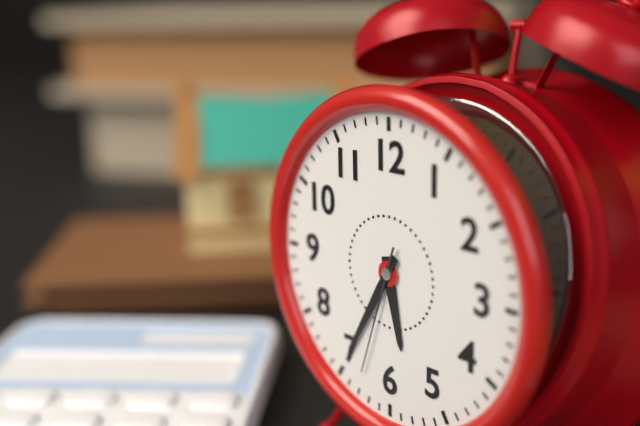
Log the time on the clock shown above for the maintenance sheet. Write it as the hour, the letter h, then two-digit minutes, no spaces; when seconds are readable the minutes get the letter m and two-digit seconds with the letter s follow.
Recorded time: 5h35m33s
